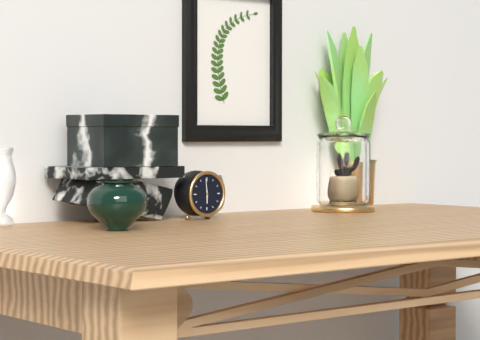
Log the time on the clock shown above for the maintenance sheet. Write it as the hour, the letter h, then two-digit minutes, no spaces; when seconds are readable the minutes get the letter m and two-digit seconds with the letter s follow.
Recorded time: 5h59
